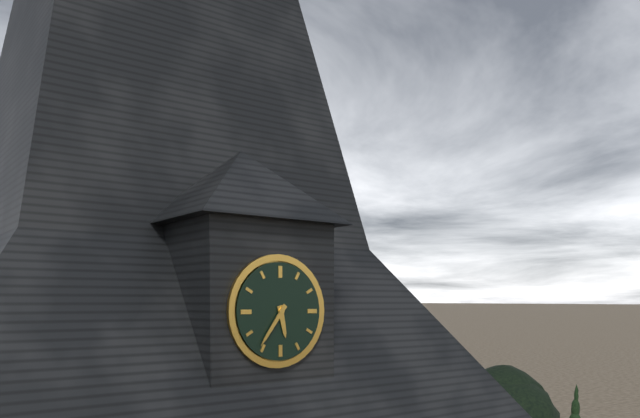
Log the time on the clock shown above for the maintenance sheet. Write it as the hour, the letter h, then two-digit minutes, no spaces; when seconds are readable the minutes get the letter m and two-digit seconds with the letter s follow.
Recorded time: 5h36
